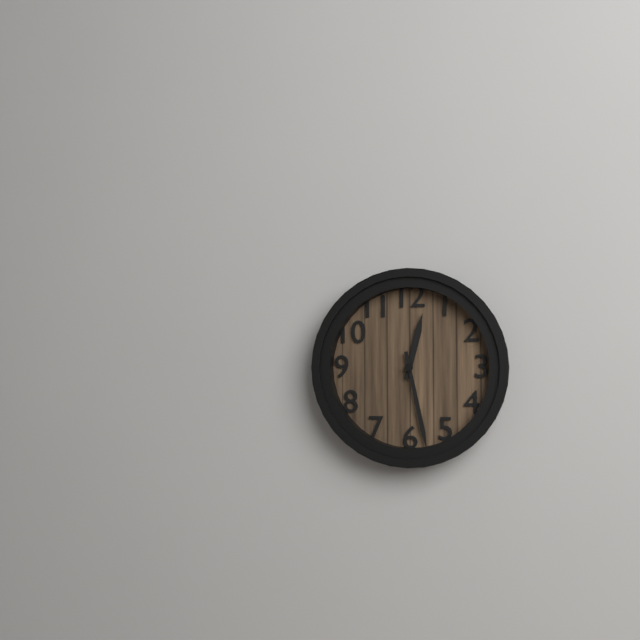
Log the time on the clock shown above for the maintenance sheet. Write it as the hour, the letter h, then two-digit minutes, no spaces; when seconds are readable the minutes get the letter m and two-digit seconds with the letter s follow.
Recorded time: 12h28
